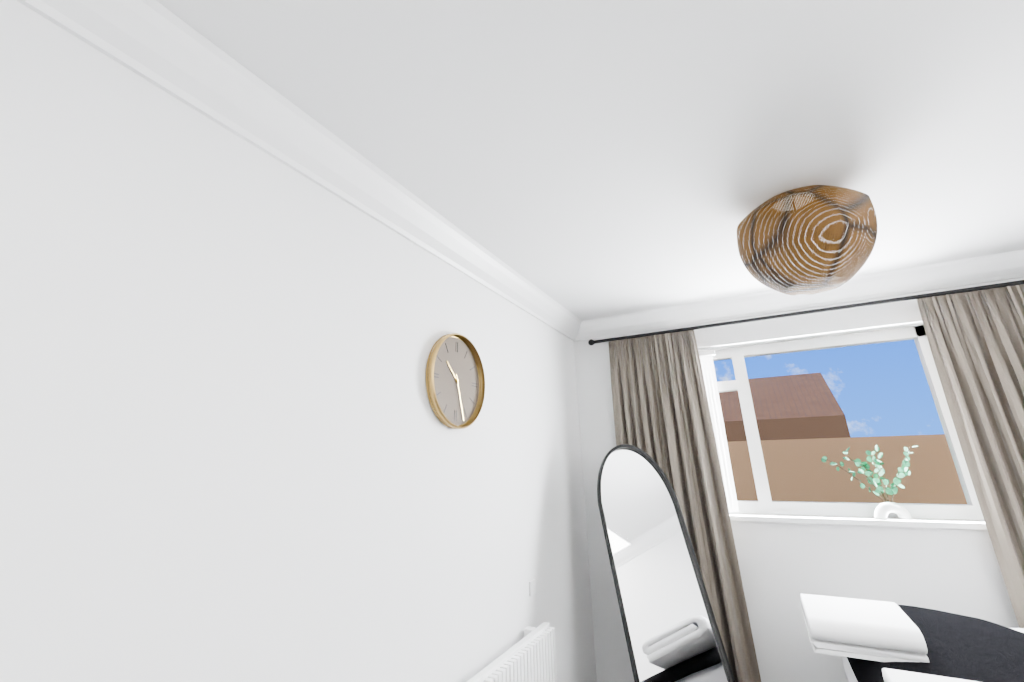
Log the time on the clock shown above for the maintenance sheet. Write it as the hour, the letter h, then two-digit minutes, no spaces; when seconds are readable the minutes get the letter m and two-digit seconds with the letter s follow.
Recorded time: 10h27
